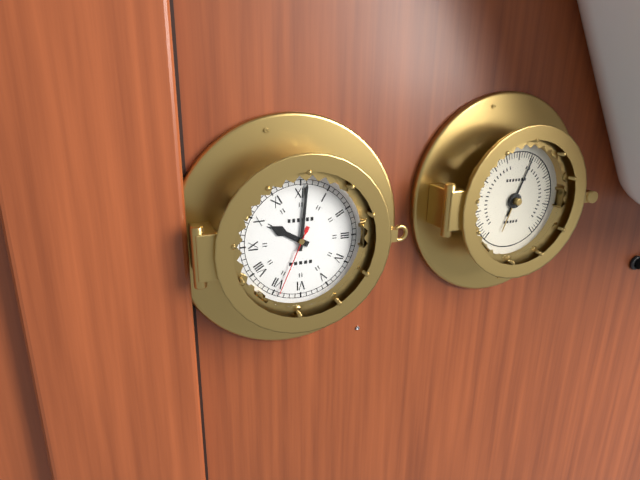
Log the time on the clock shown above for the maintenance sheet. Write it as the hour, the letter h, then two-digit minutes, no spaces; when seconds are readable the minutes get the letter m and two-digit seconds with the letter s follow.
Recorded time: 10h01m34s
